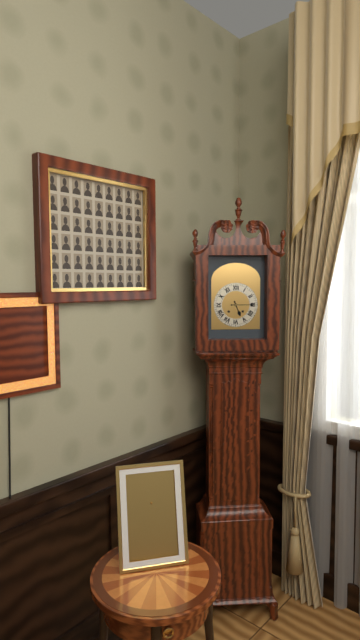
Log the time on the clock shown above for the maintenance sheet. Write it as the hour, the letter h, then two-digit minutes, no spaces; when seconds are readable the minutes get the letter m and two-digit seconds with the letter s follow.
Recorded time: 5h15
